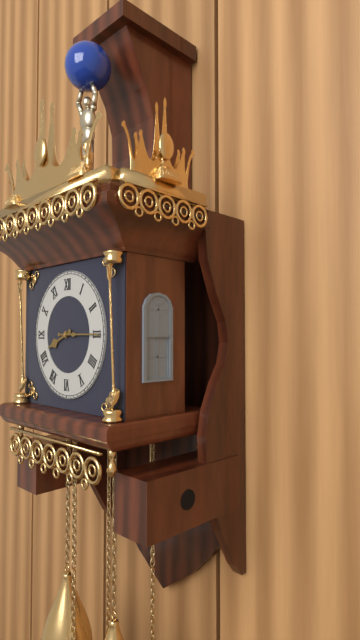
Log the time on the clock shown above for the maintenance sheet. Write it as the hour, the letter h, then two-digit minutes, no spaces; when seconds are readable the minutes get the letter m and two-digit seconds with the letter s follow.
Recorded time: 8h15
